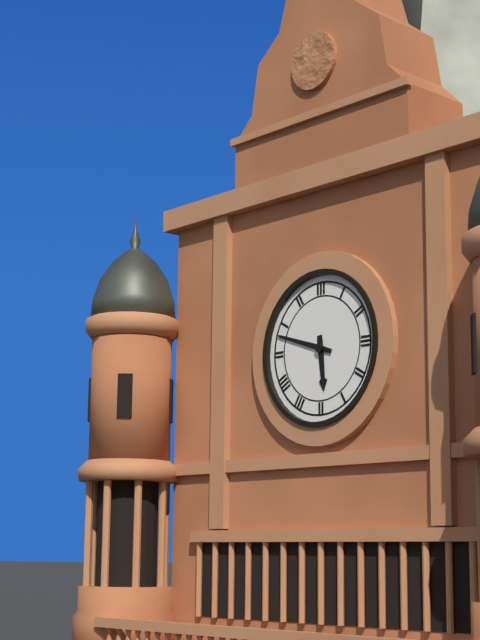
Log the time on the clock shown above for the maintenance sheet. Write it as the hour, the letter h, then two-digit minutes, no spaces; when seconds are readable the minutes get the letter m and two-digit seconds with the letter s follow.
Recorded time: 5h48
